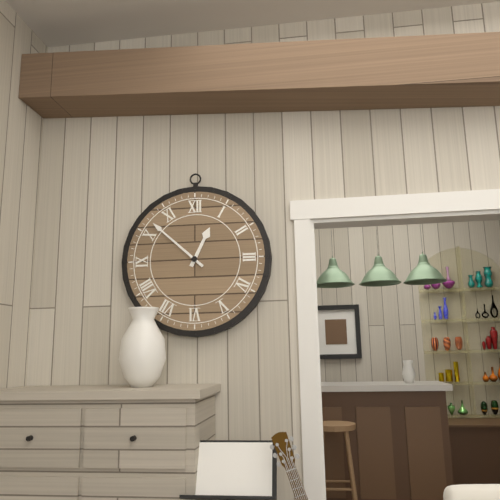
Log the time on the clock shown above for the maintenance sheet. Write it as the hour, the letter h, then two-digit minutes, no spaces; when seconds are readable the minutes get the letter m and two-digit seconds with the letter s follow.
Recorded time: 12h52
